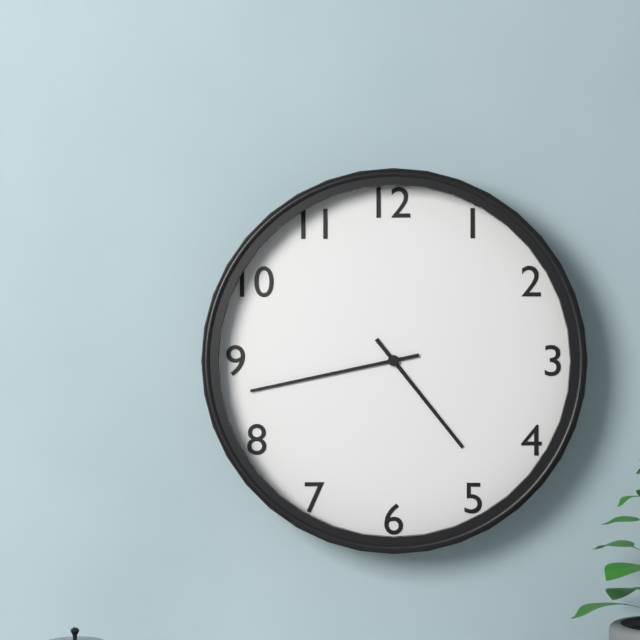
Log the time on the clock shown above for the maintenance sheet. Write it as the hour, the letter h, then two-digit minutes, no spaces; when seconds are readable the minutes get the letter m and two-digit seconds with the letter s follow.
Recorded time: 4h43
